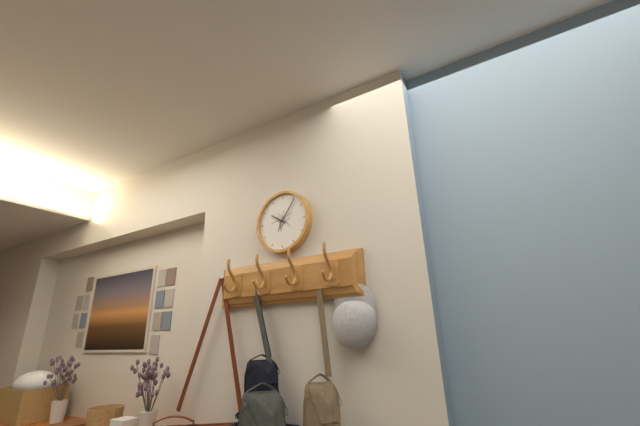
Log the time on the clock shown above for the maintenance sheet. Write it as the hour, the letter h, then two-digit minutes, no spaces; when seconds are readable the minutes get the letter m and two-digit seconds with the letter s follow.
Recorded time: 10h06
